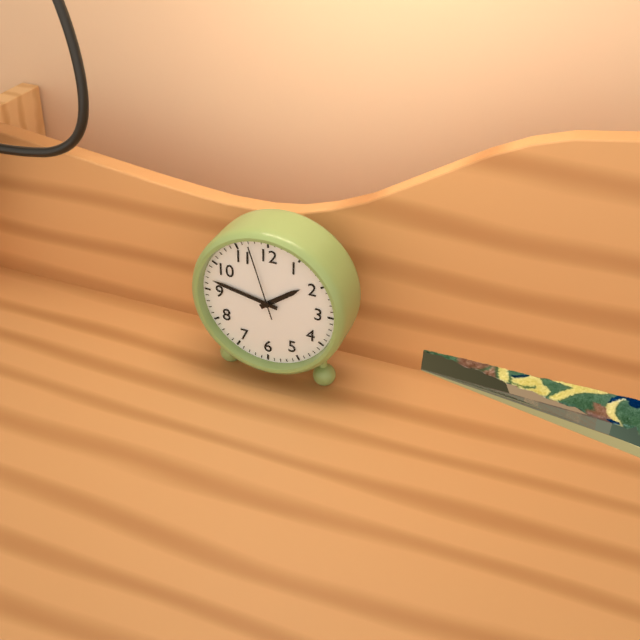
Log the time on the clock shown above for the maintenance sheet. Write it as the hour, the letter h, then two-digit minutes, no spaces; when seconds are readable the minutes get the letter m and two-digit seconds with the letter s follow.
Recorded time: 1h47m57s
